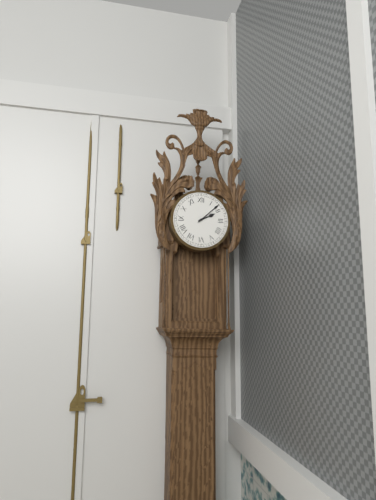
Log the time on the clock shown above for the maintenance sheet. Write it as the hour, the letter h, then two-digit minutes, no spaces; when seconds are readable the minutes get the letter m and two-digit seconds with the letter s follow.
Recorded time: 2h08
